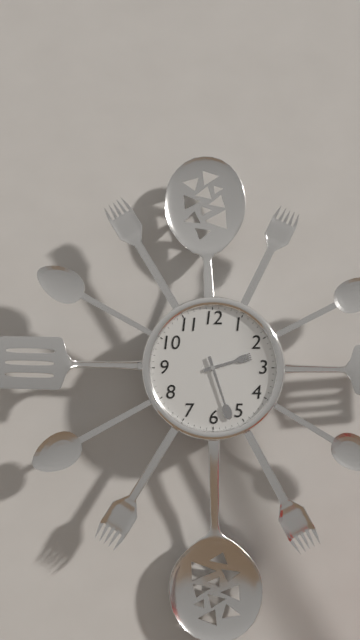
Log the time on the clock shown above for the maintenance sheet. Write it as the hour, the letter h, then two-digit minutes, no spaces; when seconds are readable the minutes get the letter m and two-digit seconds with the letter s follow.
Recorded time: 2h27
